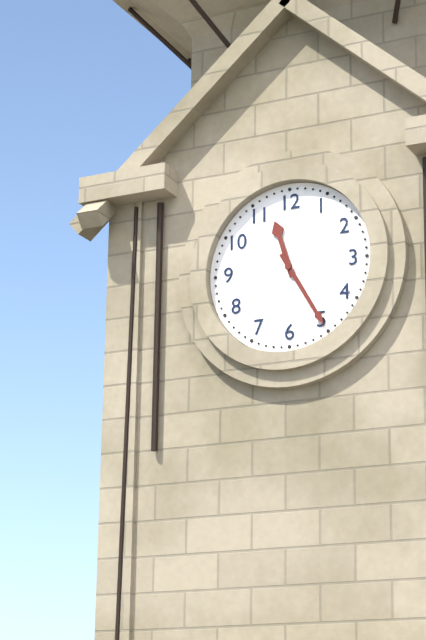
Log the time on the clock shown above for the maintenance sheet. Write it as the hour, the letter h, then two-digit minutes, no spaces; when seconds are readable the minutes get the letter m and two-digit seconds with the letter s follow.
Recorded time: 11h25
